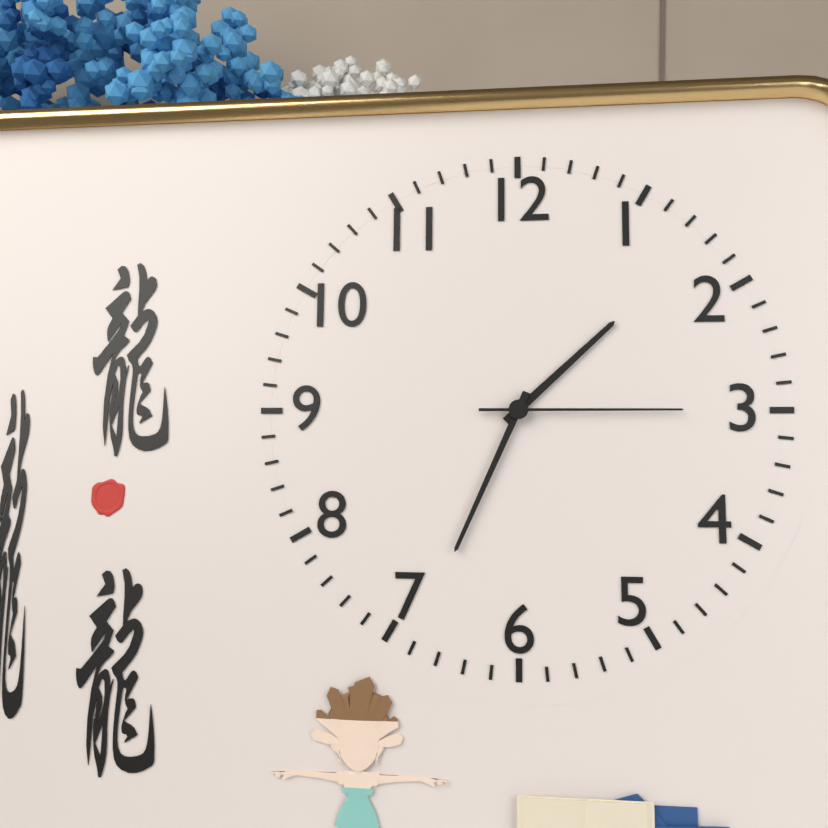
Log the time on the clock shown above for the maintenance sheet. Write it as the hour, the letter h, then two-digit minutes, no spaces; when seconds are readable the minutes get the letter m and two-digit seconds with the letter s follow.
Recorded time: 1h34m15s
